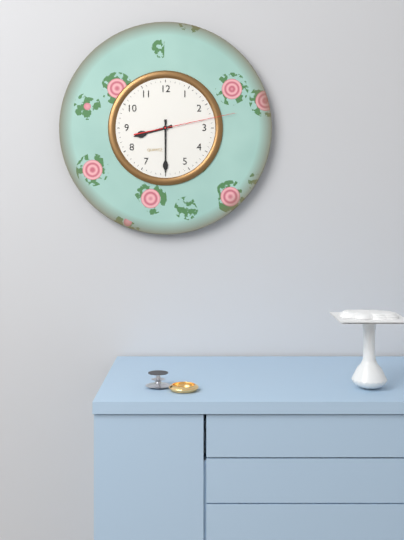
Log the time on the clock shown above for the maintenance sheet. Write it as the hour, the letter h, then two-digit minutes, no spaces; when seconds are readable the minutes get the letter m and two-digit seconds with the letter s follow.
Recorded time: 8h30m13s
